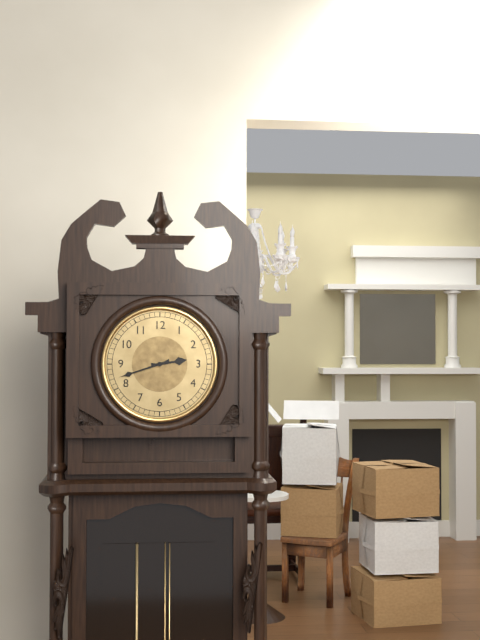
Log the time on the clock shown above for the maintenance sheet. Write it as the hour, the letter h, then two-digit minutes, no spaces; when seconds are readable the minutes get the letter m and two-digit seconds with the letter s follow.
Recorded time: 2h42
